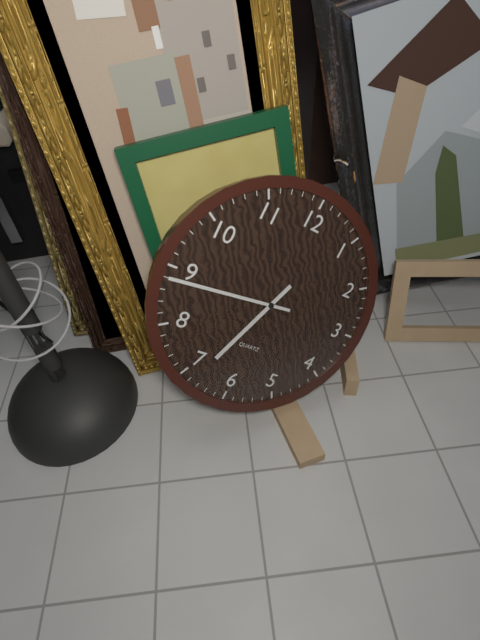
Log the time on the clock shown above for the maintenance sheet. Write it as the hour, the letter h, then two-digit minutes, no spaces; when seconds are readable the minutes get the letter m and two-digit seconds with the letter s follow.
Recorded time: 6h44
